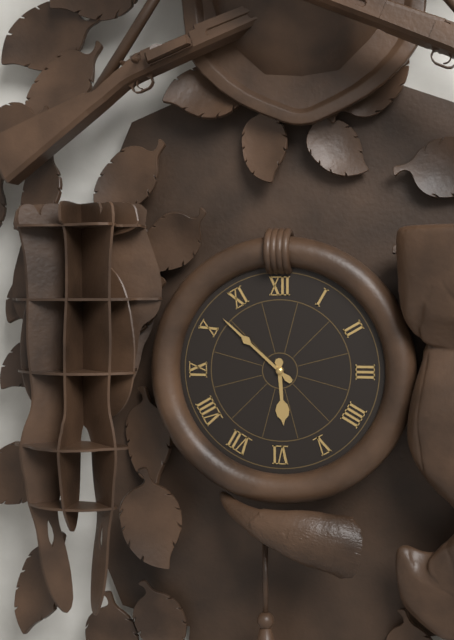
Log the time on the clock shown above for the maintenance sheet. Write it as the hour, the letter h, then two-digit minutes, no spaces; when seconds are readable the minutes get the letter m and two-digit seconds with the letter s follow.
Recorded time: 5h52
